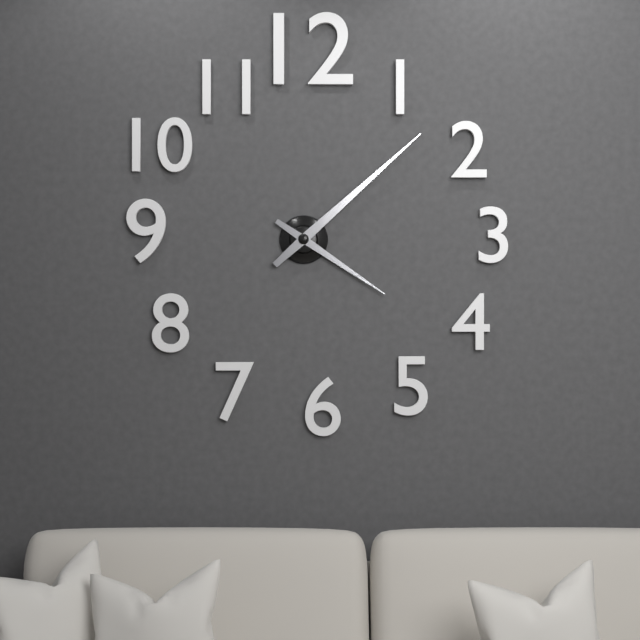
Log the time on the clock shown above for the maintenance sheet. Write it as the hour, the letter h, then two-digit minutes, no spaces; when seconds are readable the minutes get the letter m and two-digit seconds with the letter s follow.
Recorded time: 4h08
